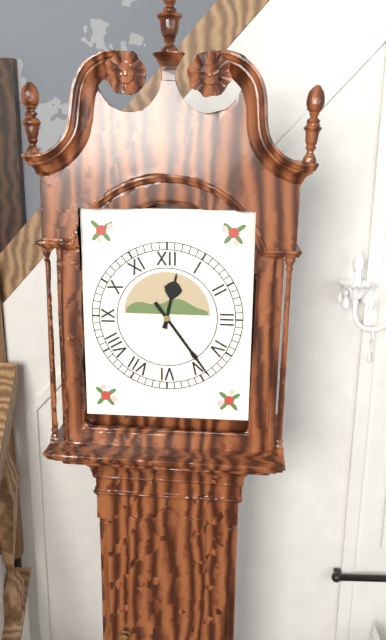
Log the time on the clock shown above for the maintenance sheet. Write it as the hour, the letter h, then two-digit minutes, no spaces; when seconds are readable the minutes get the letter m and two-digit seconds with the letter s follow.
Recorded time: 12h24
